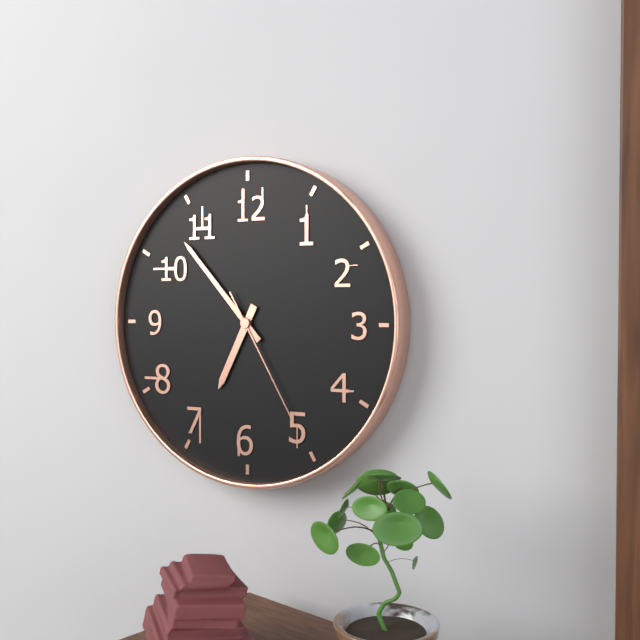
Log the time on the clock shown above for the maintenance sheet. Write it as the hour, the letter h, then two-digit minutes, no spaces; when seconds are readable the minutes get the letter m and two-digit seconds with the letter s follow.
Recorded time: 6h53m25s
